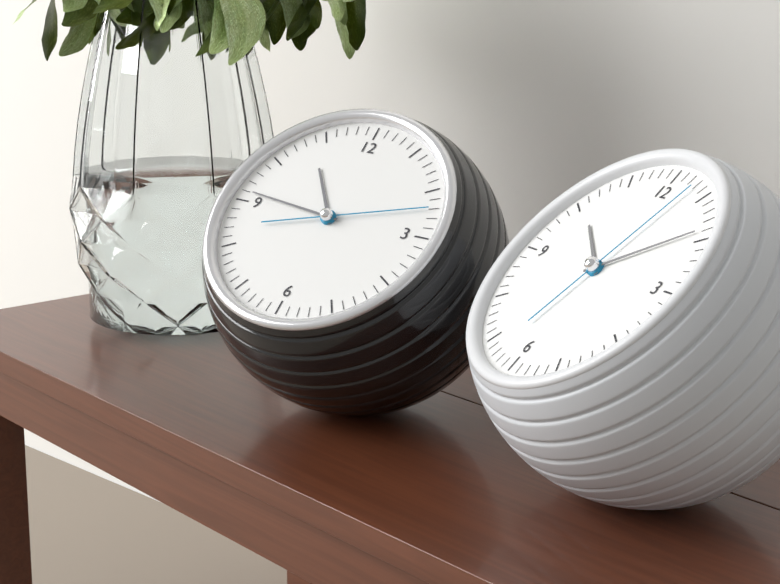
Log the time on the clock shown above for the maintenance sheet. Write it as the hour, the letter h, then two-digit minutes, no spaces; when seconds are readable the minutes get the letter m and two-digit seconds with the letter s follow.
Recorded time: 10h46m12s
